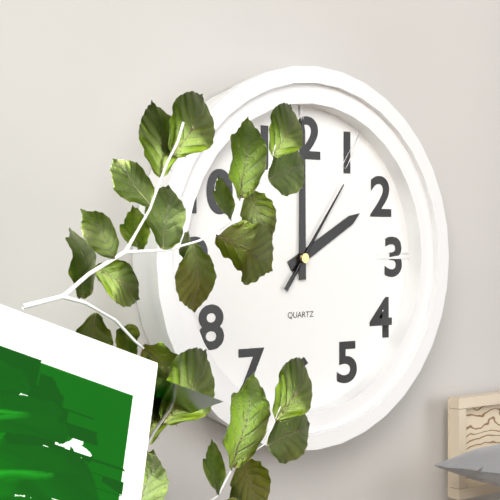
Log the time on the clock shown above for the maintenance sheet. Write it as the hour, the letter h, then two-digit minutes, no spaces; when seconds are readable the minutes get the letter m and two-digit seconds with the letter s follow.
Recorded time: 2h00m06s
